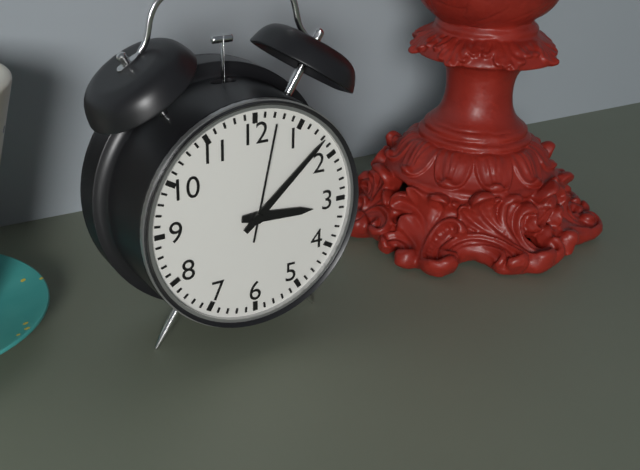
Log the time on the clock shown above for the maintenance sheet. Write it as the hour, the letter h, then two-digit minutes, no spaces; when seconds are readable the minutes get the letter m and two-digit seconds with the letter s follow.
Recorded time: 3h08m02s
